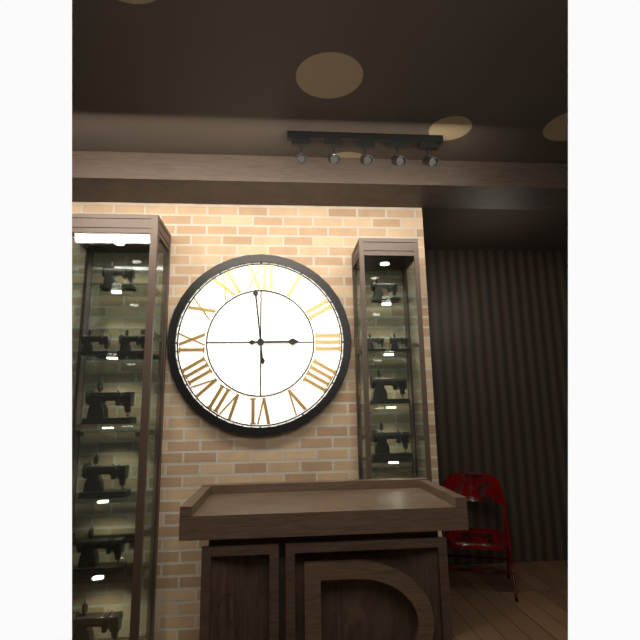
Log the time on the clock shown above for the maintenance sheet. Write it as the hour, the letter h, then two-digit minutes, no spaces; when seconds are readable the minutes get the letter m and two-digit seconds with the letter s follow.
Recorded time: 2h59
